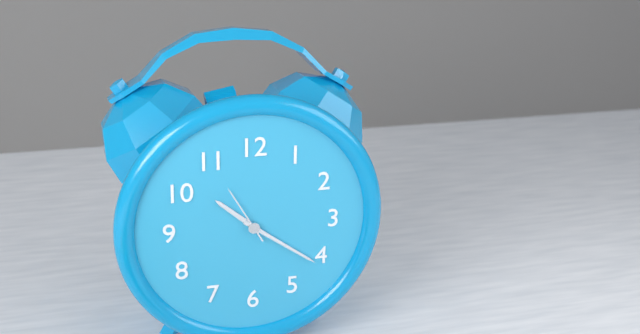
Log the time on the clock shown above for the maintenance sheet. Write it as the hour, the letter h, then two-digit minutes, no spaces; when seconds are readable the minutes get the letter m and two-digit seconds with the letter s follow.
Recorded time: 10h21m55s
